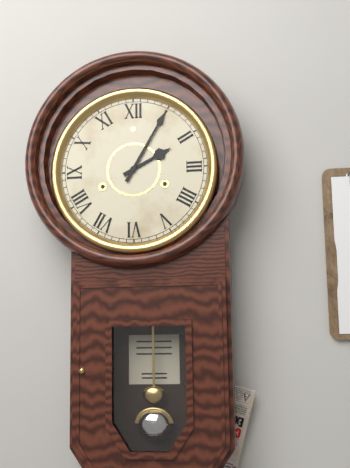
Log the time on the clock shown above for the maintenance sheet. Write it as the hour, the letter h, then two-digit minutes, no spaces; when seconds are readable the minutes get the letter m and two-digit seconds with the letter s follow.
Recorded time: 2h05
